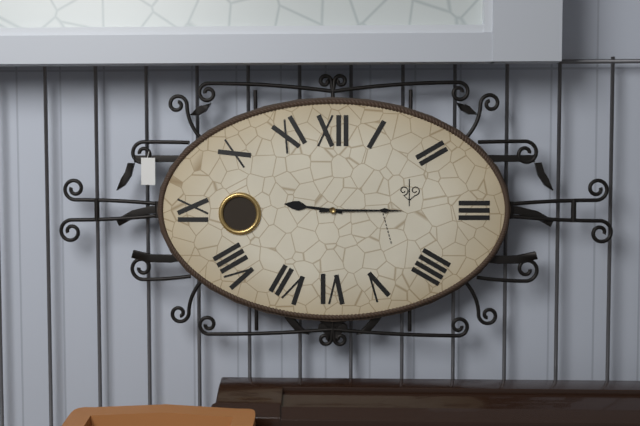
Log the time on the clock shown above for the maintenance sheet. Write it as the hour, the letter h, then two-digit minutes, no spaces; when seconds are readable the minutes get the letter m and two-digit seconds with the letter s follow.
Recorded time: 9h15
